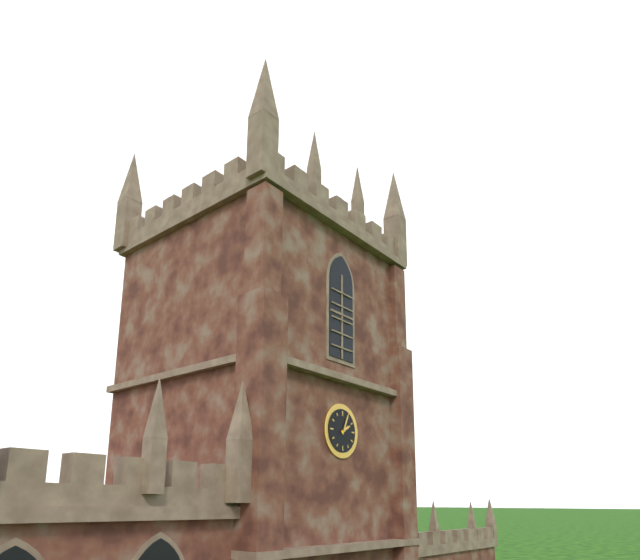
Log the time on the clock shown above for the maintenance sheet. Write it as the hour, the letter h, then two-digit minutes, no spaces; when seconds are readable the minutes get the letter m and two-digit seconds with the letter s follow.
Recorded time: 2h04
